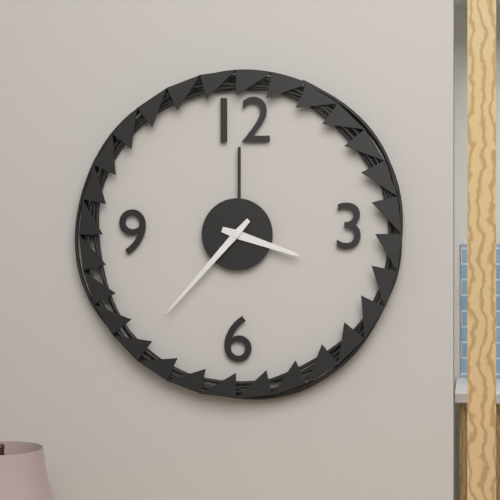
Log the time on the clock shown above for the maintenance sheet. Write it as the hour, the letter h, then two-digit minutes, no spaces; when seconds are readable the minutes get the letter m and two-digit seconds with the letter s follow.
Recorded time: 3h37
